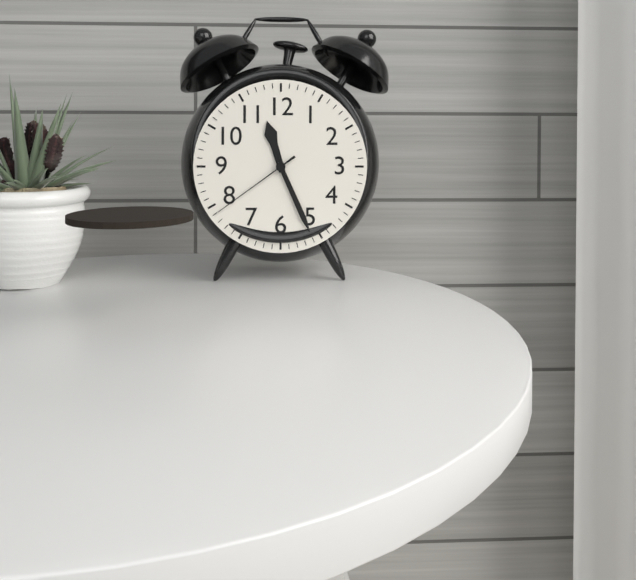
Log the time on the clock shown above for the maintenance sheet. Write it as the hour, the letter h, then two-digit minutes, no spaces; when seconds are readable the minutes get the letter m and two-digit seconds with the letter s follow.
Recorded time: 11h26m39s
